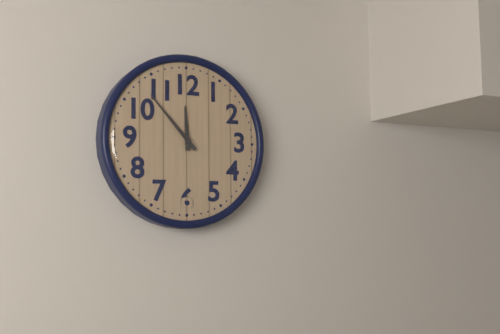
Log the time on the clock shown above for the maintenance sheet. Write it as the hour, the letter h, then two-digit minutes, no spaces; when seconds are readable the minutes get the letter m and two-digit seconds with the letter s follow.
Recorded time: 11h53
